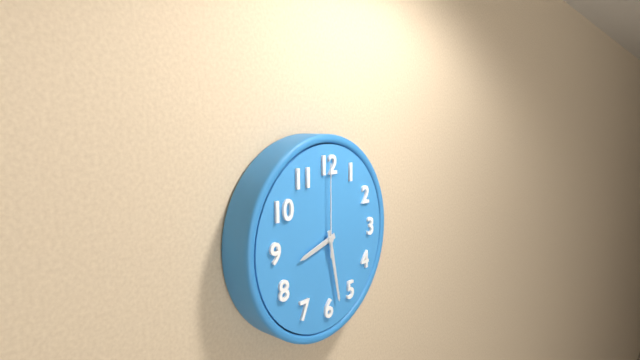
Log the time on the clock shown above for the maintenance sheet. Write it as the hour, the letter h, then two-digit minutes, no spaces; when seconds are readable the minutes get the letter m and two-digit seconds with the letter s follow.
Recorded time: 8h28m00s
